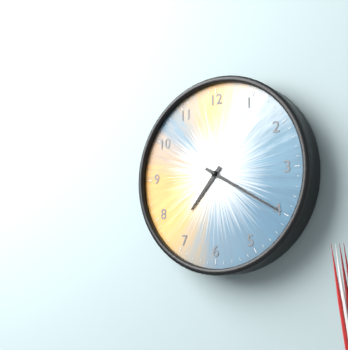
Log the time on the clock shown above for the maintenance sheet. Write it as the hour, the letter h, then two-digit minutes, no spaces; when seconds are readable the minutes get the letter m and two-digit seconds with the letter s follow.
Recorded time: 7h20
